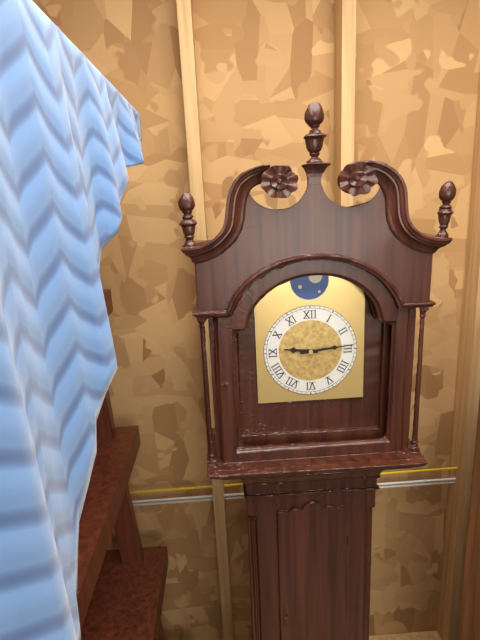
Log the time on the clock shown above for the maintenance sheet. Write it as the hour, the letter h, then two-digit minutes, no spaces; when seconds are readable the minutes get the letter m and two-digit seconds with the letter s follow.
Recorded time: 9h14
